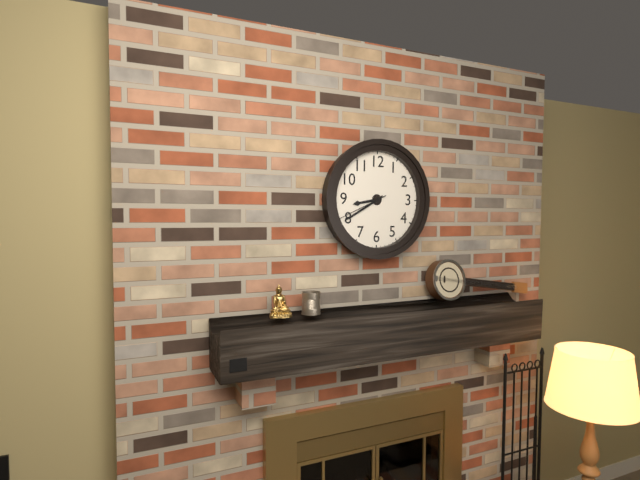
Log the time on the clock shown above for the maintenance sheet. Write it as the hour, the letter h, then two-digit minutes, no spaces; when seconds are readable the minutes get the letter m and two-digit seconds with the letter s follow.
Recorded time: 8h40m41s
